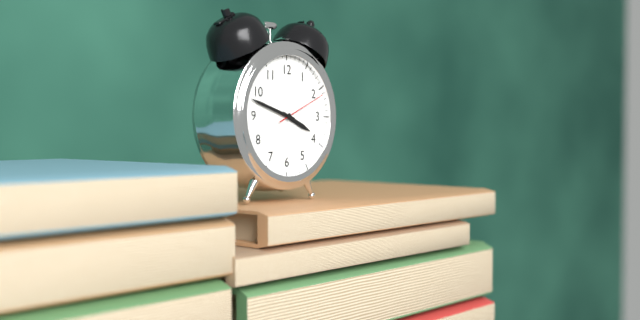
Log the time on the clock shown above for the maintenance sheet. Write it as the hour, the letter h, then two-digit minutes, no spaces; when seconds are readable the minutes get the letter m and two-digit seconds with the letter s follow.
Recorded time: 3h48m11s
